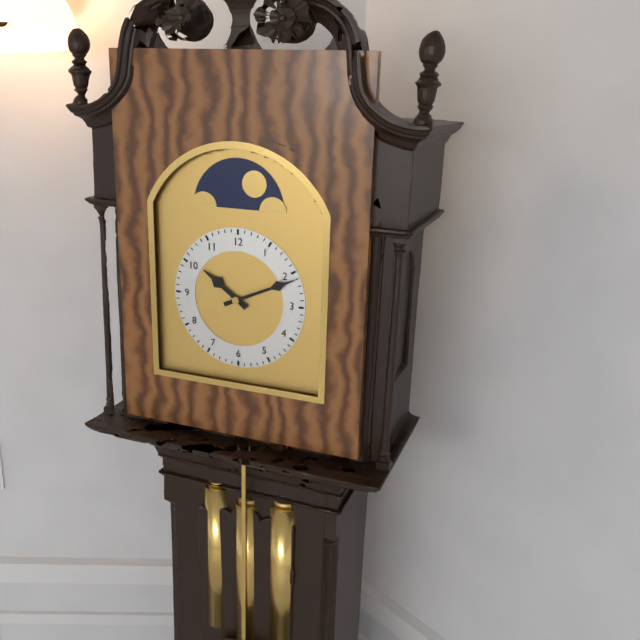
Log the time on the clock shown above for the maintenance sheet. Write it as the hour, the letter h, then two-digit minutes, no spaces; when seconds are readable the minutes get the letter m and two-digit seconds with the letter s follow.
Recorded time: 10h11
